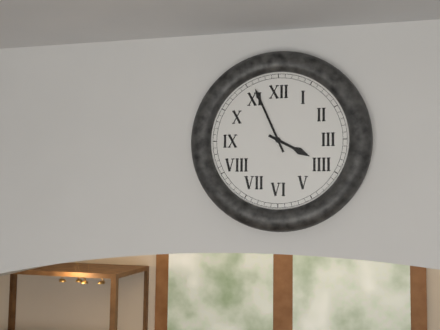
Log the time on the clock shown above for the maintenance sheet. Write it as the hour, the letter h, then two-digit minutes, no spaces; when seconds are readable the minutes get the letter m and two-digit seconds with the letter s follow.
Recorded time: 3h56
